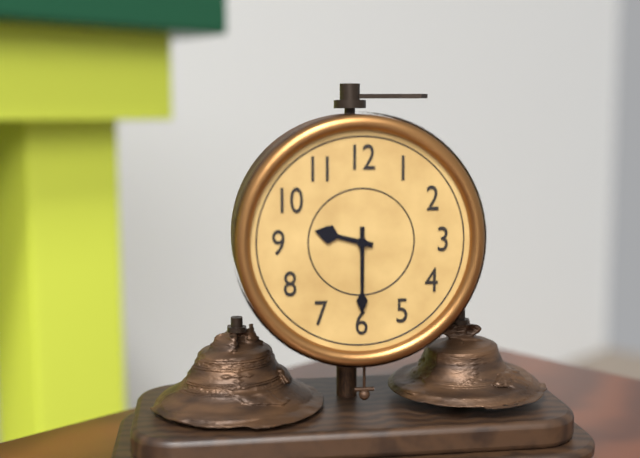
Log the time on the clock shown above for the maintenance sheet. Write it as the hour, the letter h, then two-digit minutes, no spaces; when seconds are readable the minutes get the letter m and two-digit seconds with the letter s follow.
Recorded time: 9h30
